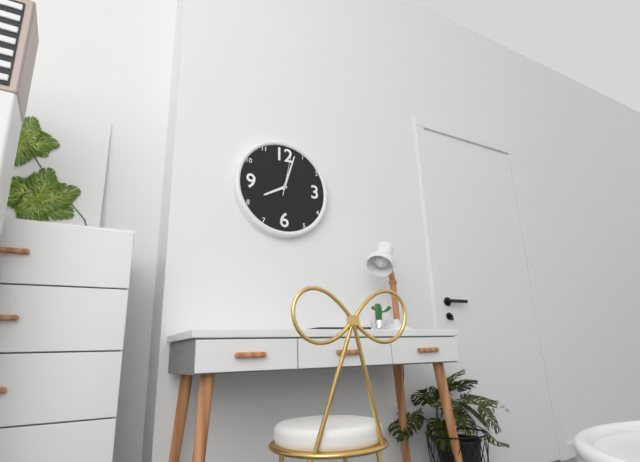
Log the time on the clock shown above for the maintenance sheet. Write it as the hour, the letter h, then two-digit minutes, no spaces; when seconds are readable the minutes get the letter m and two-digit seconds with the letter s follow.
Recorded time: 8h03
